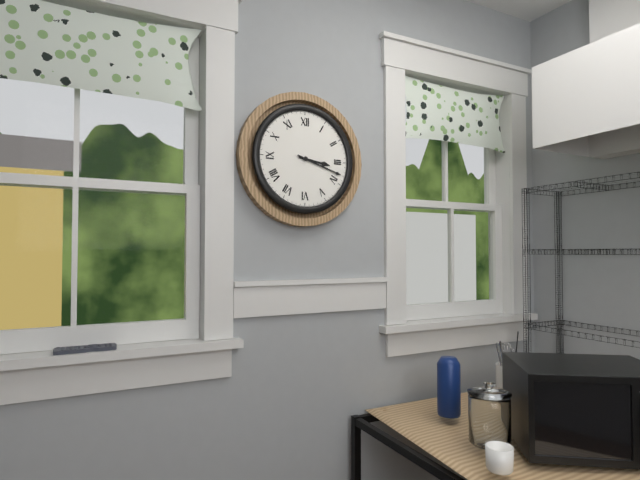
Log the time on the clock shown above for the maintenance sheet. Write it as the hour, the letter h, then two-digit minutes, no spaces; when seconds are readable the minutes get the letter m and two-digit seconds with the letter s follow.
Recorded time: 3h18
